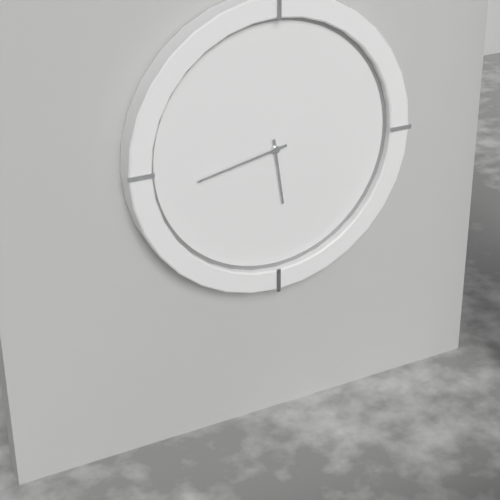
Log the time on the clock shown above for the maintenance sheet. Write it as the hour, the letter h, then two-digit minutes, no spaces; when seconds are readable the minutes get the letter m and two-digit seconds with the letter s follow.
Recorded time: 5h43
